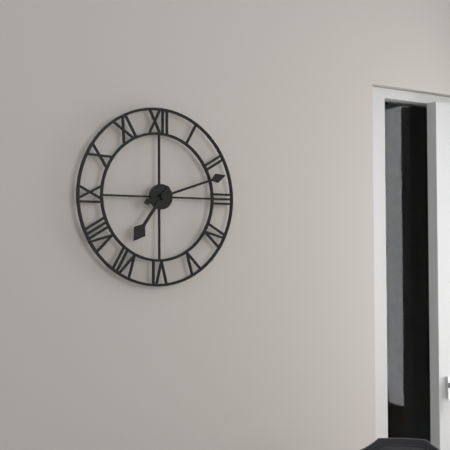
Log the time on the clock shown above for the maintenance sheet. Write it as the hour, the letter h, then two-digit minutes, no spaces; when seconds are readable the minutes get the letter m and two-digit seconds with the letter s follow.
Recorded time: 7h12
